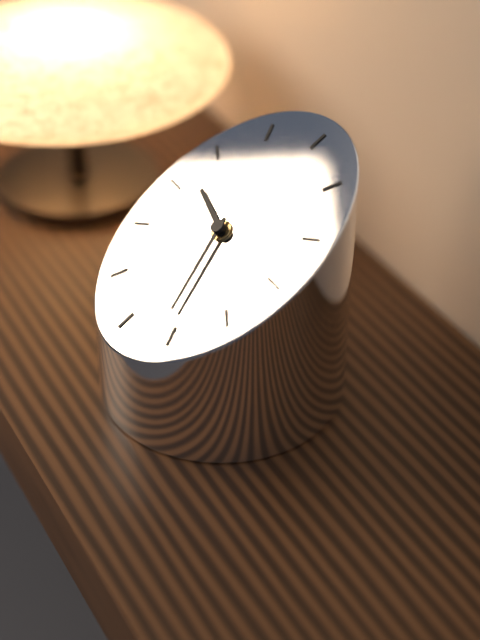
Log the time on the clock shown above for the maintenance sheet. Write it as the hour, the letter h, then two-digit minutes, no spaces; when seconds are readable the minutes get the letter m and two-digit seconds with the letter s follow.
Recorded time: 9h26
